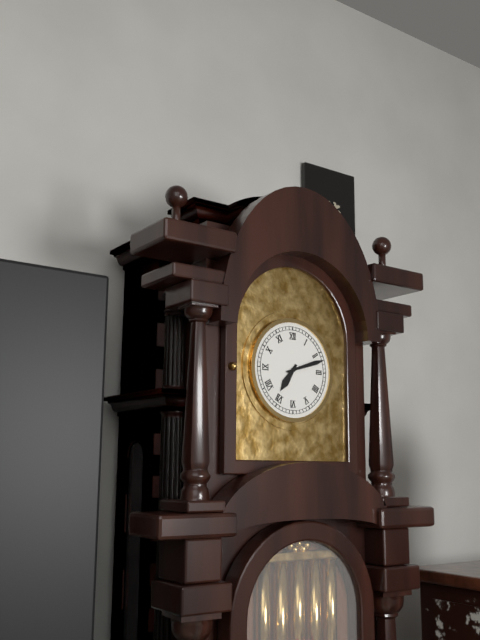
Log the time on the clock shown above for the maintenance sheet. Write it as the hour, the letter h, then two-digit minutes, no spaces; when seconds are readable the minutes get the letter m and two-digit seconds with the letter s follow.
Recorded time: 7h12
